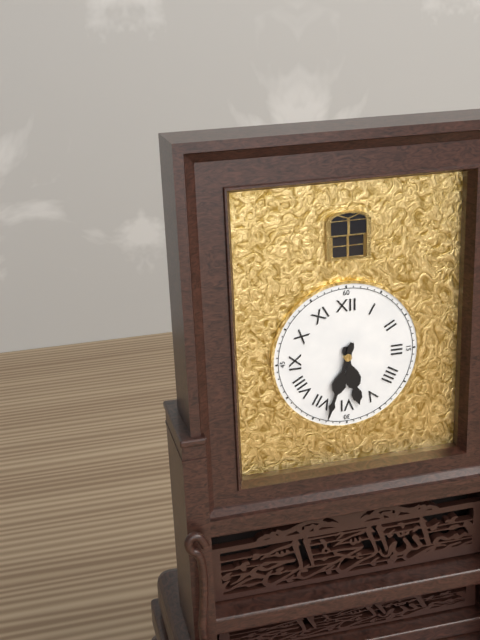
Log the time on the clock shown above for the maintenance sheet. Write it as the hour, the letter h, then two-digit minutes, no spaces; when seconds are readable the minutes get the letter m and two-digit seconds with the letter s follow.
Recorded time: 5h33
